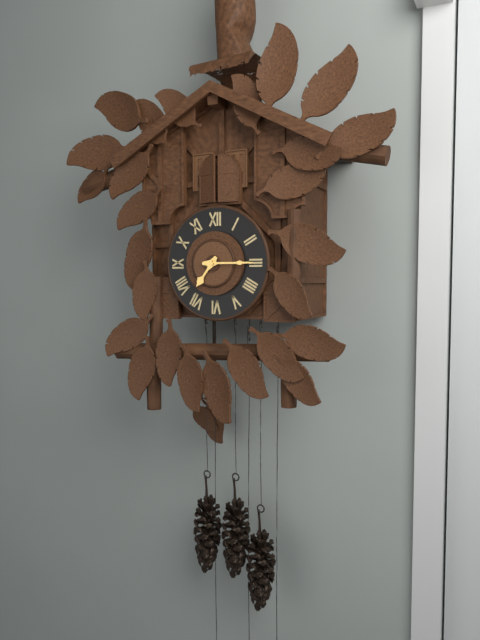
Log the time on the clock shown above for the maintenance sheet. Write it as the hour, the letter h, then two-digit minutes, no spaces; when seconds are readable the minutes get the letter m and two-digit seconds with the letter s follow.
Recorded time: 7h15
